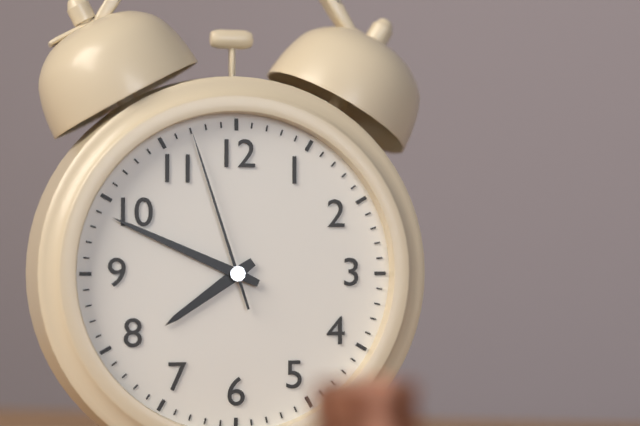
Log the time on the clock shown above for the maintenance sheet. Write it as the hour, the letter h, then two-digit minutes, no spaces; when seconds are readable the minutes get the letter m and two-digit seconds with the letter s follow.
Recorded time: 7h49m57s
